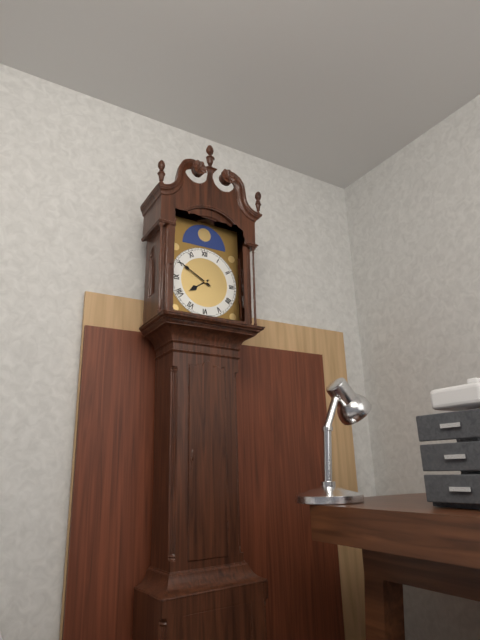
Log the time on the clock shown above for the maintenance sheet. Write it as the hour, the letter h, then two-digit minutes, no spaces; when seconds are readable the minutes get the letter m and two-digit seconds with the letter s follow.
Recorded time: 7h50
